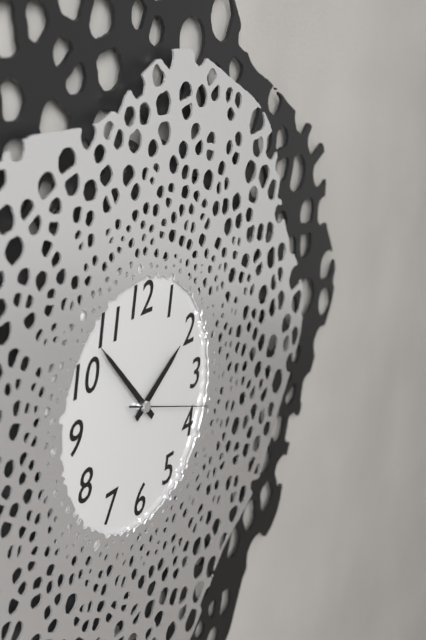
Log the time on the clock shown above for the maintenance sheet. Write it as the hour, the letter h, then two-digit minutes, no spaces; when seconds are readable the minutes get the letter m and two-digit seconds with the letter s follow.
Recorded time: 1h53m18s
